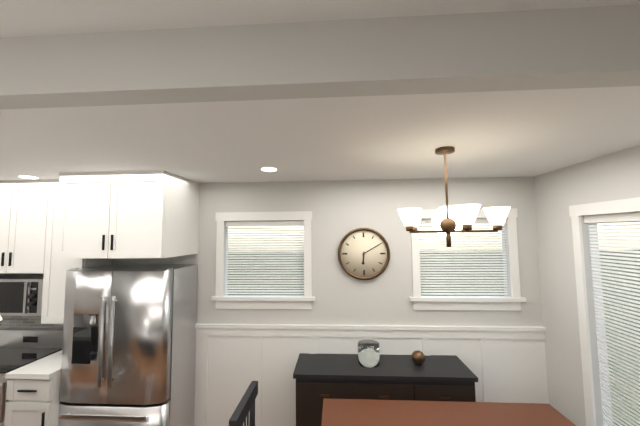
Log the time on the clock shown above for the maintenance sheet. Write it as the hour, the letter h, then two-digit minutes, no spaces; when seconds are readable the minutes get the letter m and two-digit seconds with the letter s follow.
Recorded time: 6h10
